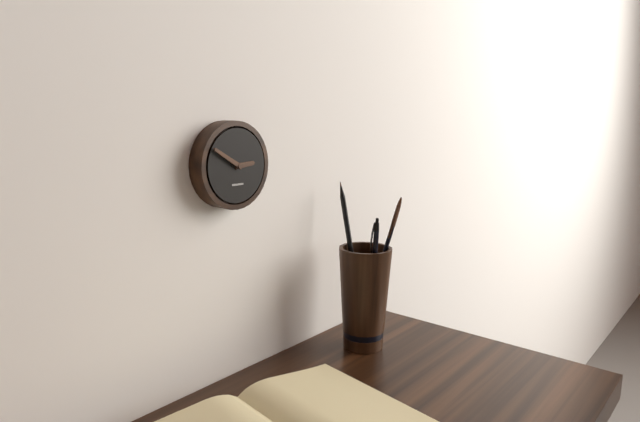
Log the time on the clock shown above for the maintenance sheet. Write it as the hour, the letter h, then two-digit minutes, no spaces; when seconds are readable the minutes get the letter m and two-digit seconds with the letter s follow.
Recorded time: 2h50
